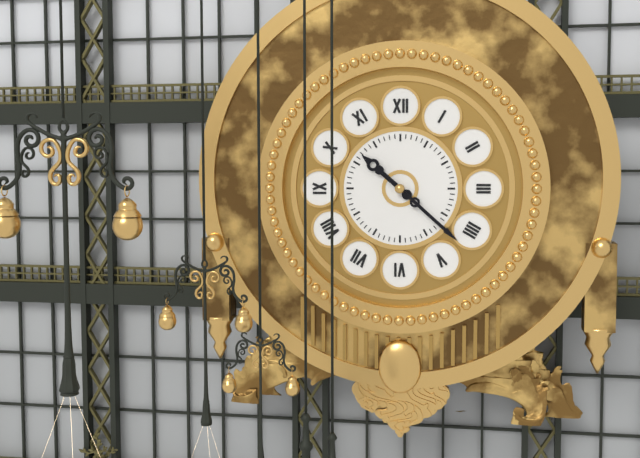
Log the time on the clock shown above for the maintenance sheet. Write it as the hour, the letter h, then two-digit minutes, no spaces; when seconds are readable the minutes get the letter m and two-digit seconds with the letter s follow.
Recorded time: 10h22
